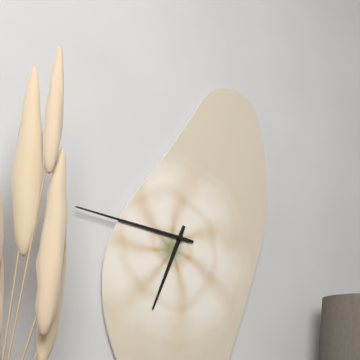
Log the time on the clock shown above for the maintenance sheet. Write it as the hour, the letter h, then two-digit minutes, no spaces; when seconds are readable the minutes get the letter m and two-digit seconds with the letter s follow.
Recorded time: 6h46
